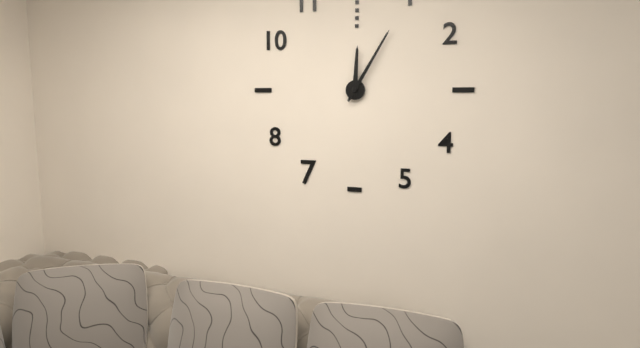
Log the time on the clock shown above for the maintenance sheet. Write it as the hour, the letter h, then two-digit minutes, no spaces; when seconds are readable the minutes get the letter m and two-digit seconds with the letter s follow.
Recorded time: 12h05
